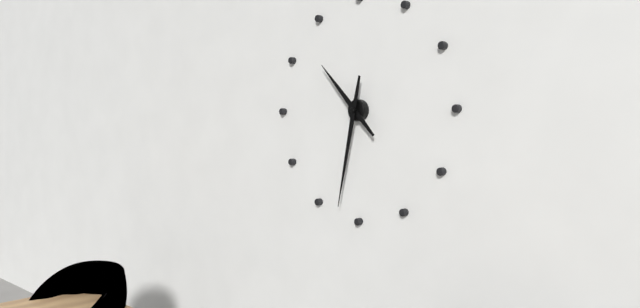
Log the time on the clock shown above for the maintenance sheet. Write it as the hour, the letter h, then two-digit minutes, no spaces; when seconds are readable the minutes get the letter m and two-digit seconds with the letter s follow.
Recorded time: 10h32
